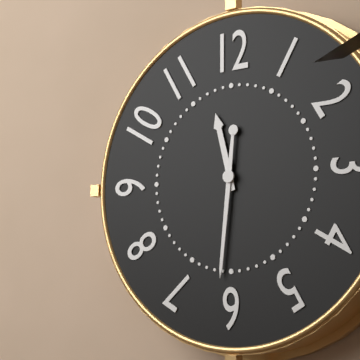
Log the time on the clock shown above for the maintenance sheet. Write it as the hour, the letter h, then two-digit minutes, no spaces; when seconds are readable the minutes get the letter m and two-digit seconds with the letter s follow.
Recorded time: 11h31
